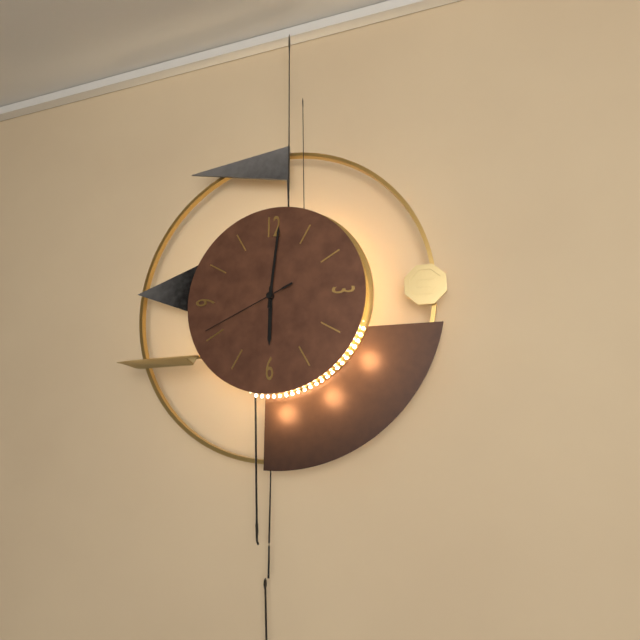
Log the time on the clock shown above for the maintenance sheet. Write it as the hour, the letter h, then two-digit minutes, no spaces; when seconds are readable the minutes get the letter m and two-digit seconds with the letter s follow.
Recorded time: 6h01m41s
